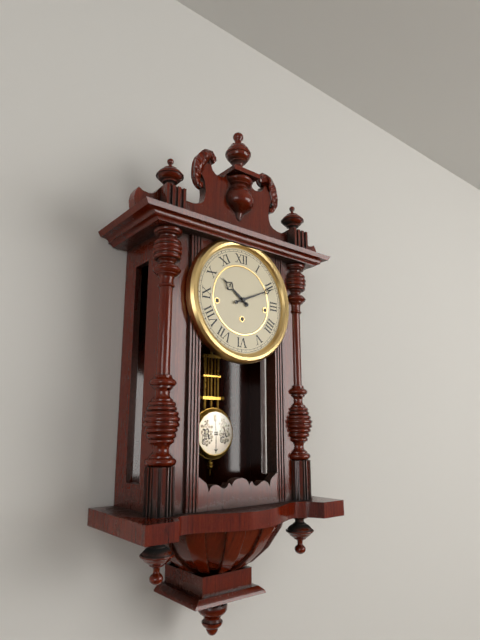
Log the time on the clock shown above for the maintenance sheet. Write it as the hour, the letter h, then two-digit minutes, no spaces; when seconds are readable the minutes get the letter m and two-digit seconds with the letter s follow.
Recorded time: 10h11
